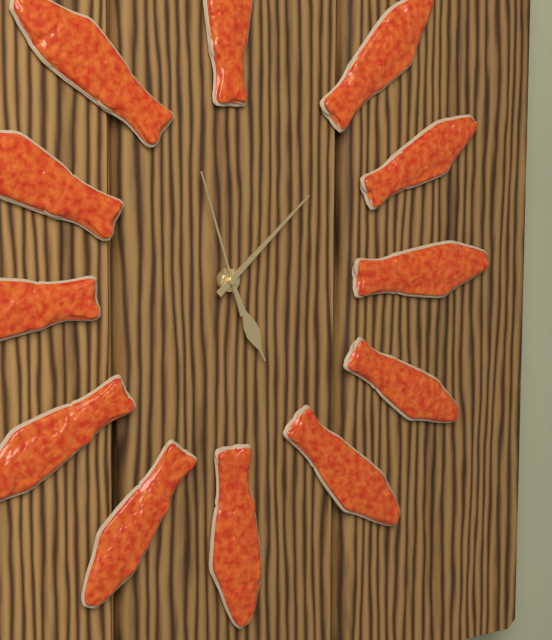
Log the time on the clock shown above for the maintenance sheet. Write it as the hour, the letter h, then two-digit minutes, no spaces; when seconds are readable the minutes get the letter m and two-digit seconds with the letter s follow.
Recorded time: 5h08m57s
